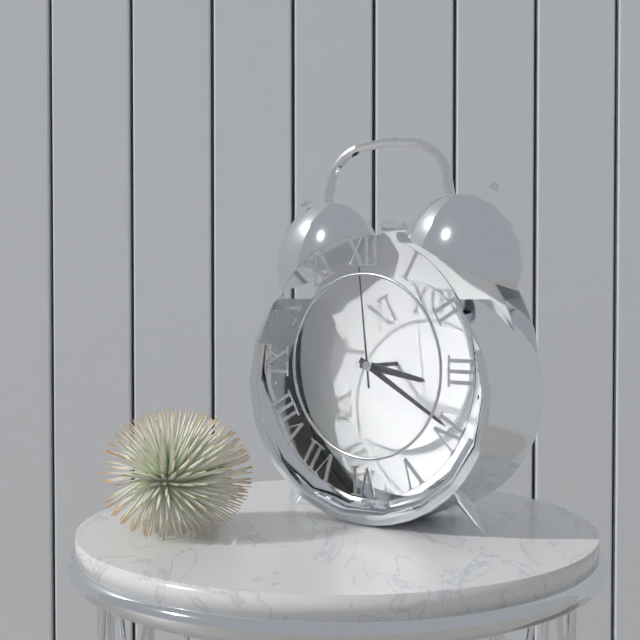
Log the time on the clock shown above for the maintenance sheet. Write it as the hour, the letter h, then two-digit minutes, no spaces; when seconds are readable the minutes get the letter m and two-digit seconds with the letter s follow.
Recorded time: 3h20m59s
